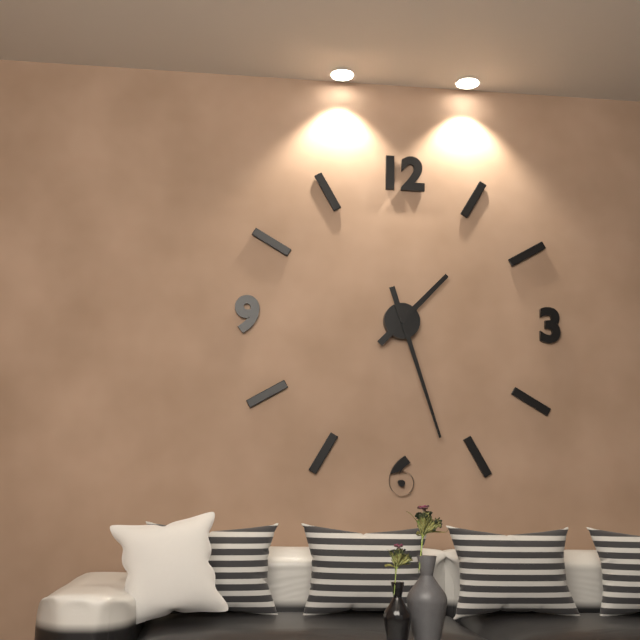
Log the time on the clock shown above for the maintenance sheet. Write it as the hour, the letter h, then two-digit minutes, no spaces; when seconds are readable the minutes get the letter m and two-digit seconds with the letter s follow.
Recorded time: 1h27
